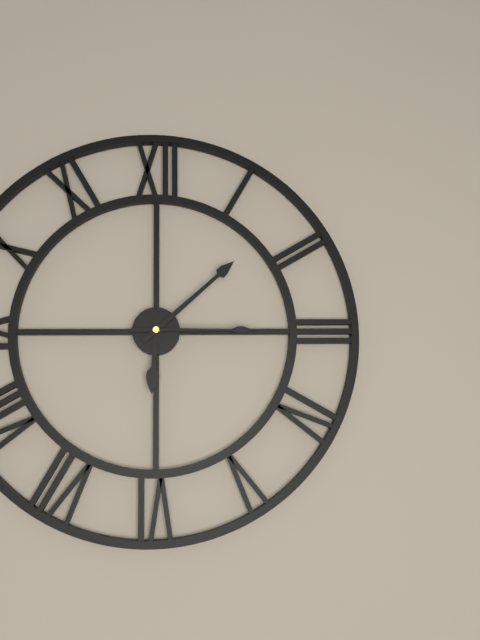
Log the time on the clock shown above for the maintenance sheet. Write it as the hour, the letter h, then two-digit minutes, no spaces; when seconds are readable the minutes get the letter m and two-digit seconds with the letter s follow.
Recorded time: 6h08m15s
